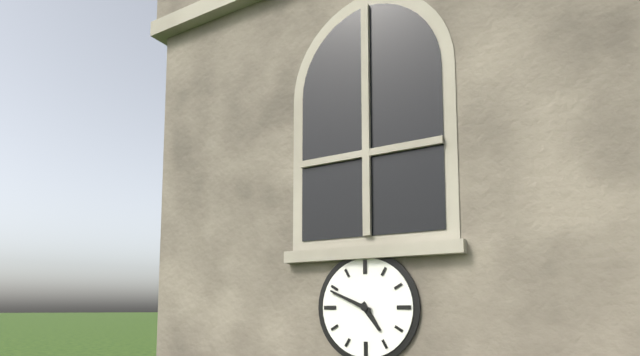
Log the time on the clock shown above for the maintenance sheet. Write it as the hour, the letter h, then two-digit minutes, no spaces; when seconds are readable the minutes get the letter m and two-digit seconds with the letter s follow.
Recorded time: 4h49
